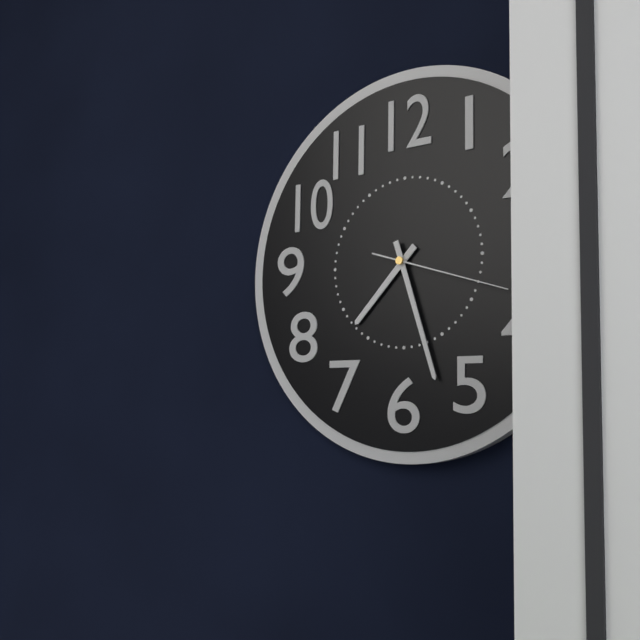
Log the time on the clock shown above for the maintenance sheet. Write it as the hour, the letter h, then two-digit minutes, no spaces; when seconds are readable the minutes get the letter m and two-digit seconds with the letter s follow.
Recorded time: 7h27m18s
